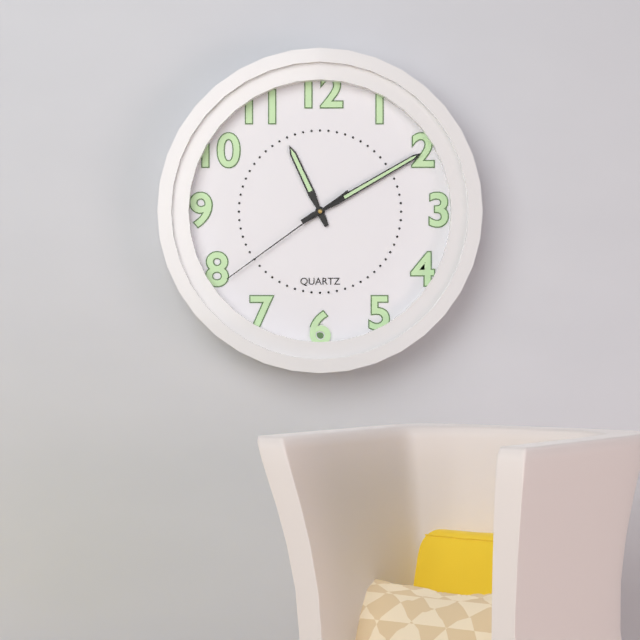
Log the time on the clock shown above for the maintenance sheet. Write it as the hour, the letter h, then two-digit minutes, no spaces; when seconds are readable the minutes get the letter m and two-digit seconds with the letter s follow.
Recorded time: 11h10m39s
